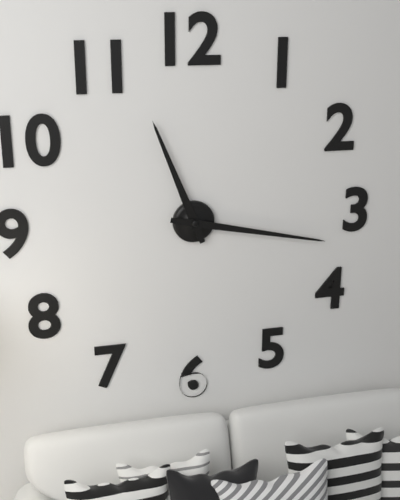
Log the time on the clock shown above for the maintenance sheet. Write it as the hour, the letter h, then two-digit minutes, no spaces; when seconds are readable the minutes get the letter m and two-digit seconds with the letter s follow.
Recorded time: 11h17
